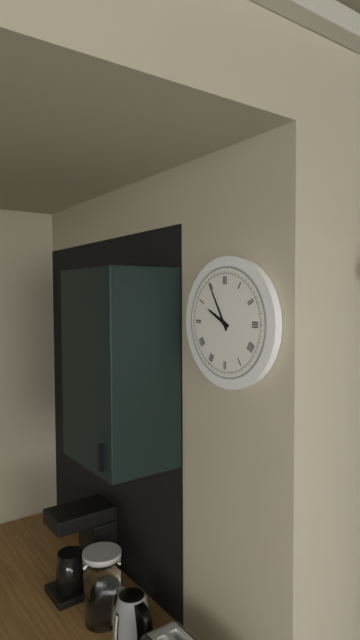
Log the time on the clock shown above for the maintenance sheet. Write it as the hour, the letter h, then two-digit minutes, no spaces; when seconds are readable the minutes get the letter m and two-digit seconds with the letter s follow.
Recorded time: 9h55
